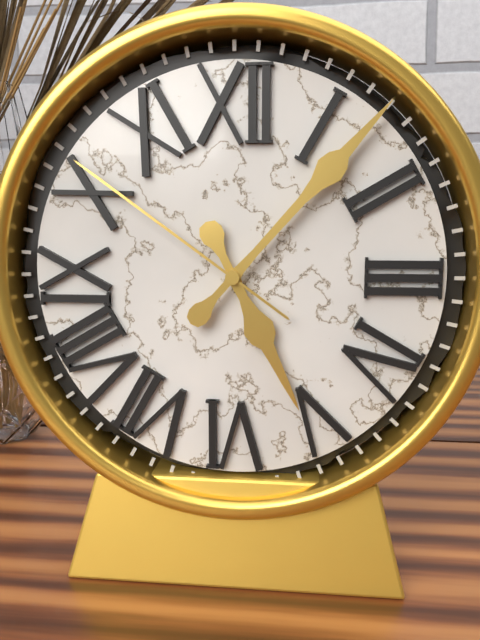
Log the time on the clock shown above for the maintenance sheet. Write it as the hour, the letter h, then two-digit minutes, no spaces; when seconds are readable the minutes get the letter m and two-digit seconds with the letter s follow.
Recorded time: 5h07m51s
